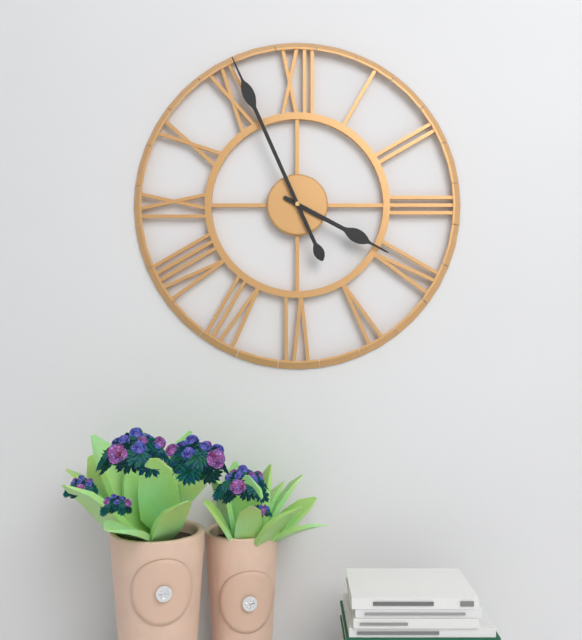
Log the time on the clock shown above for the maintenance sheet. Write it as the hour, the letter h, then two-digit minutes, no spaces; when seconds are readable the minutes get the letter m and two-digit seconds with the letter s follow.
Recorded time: 3h56
